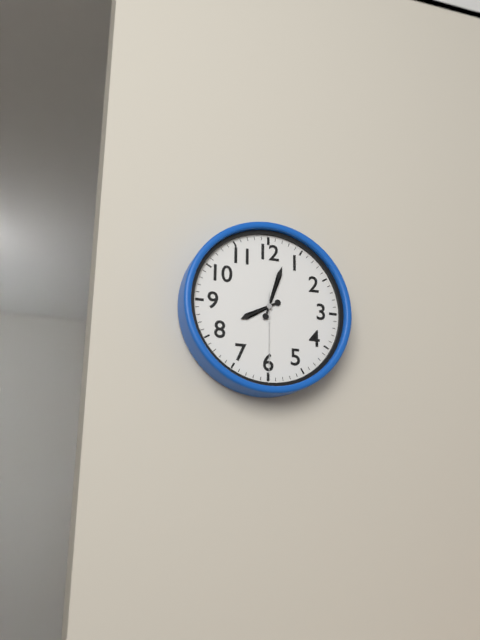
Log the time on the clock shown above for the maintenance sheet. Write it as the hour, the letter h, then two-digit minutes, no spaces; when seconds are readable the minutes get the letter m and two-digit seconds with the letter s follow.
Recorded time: 8h03m30s
